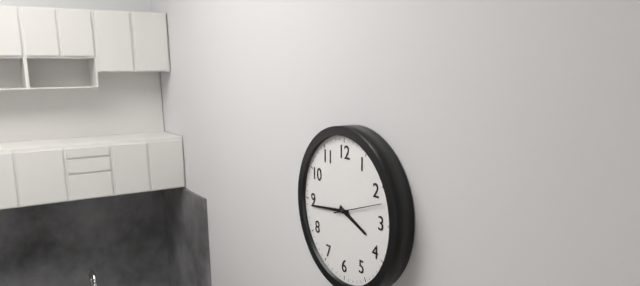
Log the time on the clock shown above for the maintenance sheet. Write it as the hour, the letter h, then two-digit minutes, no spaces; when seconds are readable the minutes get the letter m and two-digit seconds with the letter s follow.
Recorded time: 3h44
